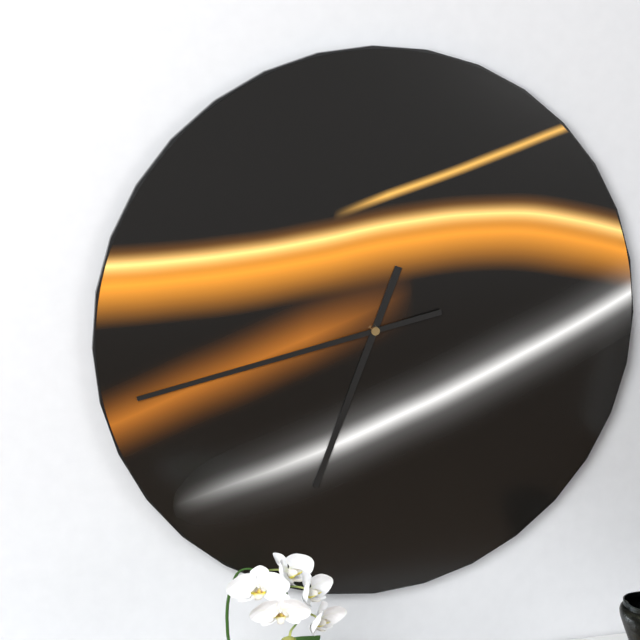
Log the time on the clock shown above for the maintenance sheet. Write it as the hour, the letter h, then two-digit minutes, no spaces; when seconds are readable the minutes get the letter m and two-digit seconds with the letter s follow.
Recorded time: 6h43
